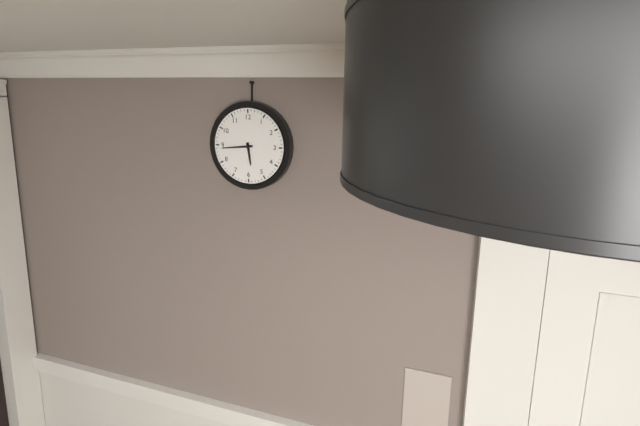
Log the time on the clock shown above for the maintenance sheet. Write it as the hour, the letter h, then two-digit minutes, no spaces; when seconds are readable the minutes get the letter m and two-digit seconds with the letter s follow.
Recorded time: 5h44
